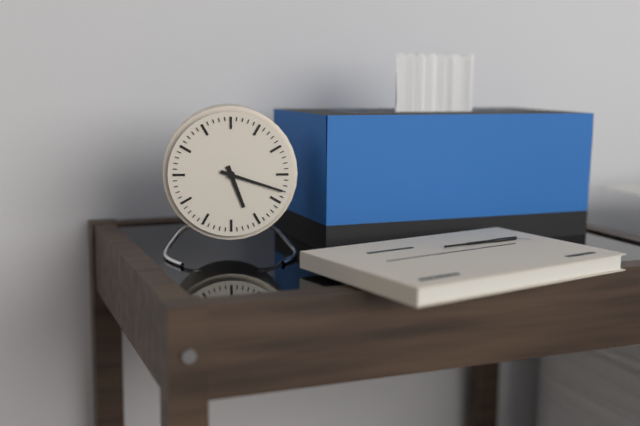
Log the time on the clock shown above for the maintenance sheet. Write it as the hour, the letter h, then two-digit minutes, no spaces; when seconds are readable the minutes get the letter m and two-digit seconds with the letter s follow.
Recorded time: 5h18
